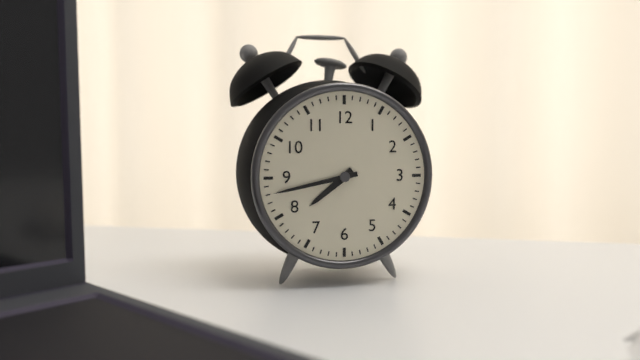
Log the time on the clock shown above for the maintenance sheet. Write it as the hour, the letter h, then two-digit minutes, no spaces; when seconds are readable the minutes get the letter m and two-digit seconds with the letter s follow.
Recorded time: 7h43
